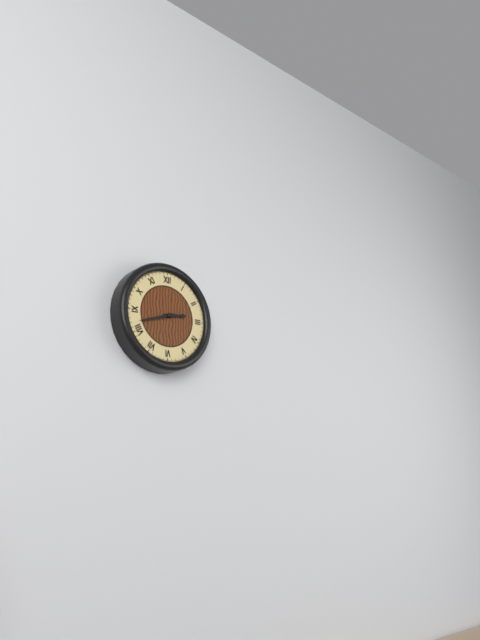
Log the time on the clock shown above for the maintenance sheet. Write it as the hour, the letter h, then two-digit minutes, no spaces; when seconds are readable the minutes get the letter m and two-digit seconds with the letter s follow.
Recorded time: 2h42
